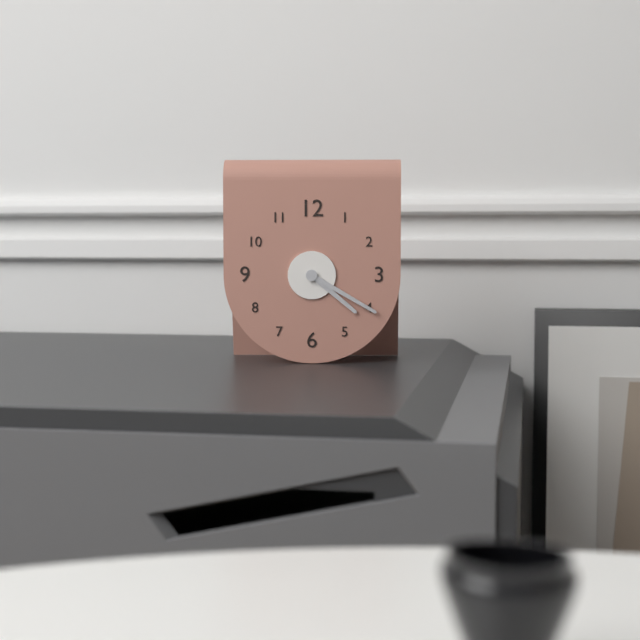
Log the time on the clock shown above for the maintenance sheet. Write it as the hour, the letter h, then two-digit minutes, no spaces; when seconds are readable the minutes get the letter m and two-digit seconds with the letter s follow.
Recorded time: 4h20
